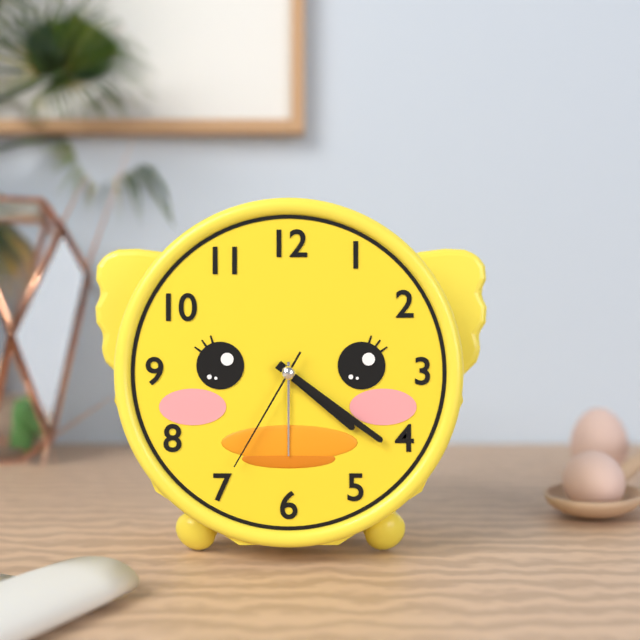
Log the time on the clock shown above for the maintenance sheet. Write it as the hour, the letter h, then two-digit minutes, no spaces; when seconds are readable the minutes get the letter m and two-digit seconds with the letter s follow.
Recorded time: 4h21m35s
